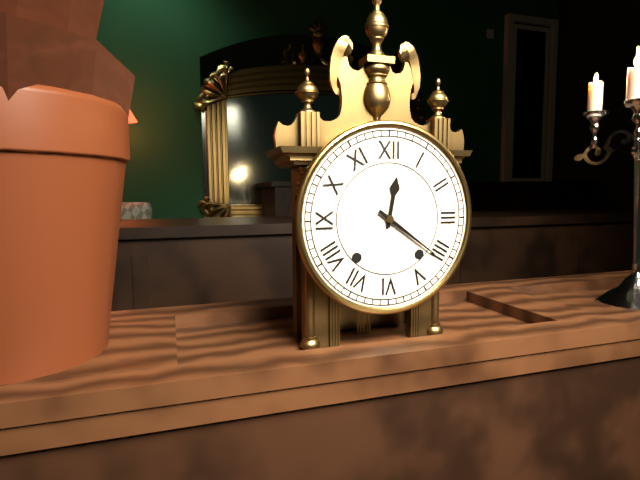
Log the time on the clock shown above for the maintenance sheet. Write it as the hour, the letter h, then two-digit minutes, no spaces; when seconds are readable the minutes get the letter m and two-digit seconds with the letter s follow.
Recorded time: 12h21
